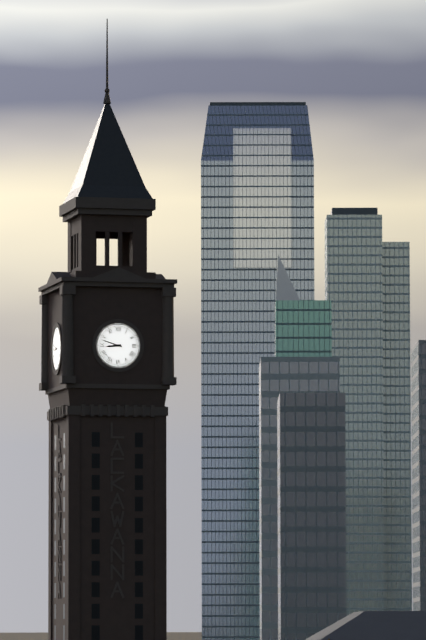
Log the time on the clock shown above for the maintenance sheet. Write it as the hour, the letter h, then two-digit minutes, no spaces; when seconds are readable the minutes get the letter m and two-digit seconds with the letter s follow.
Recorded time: 8h48
